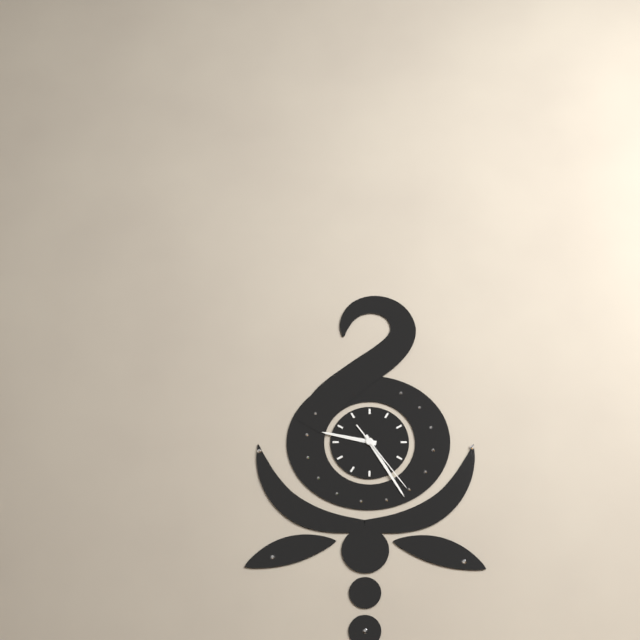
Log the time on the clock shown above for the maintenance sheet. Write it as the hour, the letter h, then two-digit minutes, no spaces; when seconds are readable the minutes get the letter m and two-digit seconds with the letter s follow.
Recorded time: 9h25m24s
